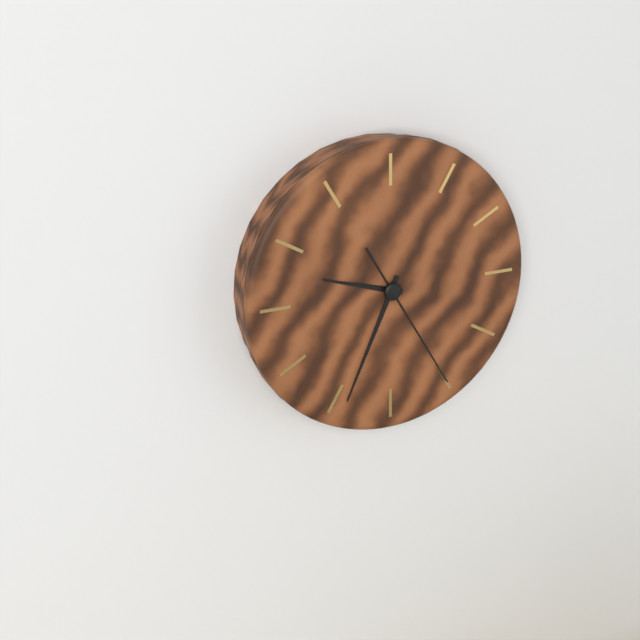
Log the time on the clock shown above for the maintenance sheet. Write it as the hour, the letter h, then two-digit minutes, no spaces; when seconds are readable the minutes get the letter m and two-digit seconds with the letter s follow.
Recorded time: 9h34m25s
